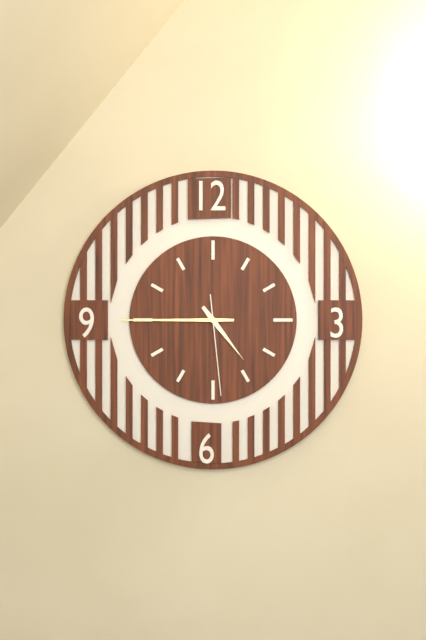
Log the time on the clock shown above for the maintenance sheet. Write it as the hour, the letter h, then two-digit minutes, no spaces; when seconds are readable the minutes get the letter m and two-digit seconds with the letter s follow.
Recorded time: 4h45m29s
